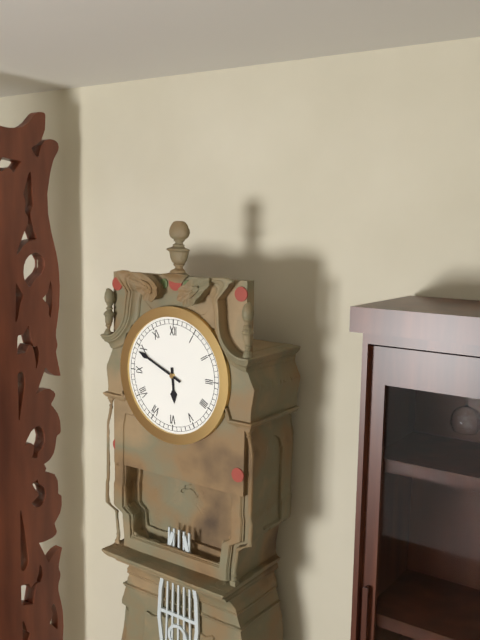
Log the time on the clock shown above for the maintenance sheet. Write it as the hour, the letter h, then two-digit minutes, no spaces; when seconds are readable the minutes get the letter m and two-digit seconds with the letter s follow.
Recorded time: 5h49
